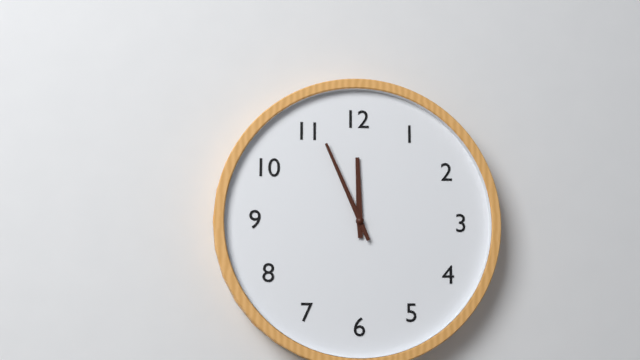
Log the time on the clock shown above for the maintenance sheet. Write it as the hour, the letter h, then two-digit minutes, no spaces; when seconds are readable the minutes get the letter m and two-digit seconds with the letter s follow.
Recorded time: 11h56
